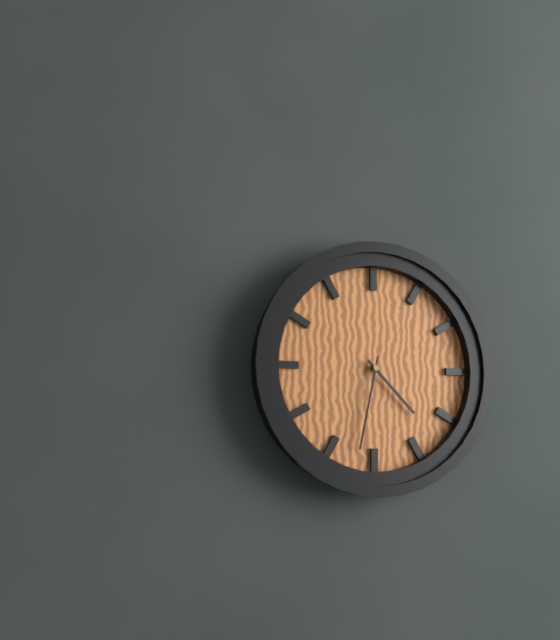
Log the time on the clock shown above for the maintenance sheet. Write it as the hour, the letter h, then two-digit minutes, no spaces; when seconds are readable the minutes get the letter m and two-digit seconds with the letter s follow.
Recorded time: 4h32
